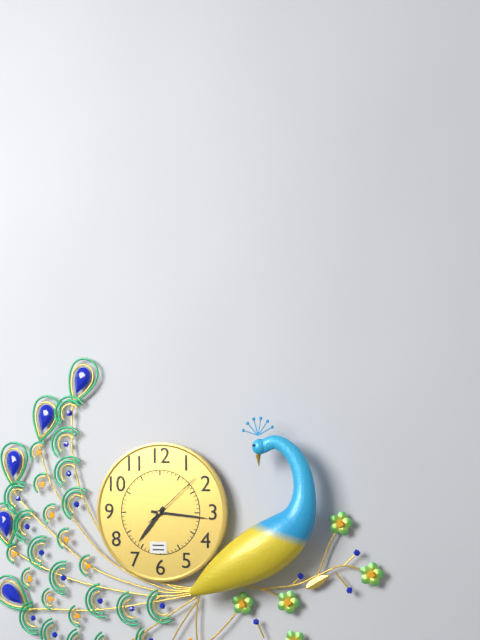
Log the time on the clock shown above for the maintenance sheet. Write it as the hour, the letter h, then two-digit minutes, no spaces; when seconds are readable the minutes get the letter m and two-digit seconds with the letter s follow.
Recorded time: 7h16m08s
